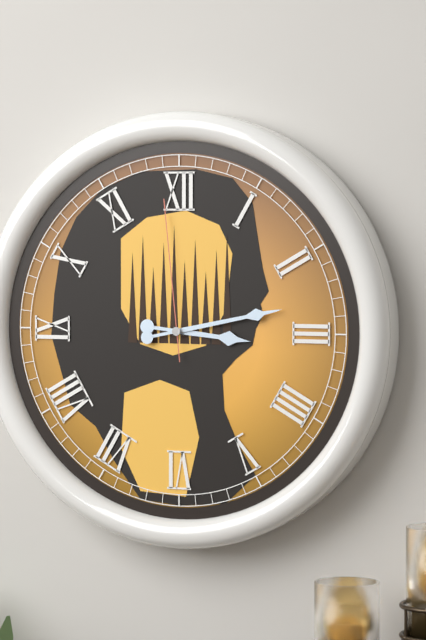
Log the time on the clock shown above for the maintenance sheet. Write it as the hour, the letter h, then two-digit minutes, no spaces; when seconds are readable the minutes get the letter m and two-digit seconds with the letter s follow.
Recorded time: 3h13m59s
